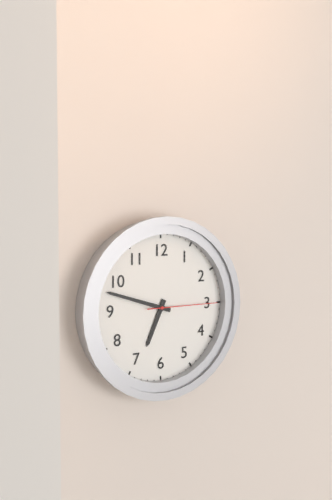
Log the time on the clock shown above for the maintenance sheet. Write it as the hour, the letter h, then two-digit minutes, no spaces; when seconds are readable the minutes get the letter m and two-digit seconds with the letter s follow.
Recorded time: 6h48m15s
